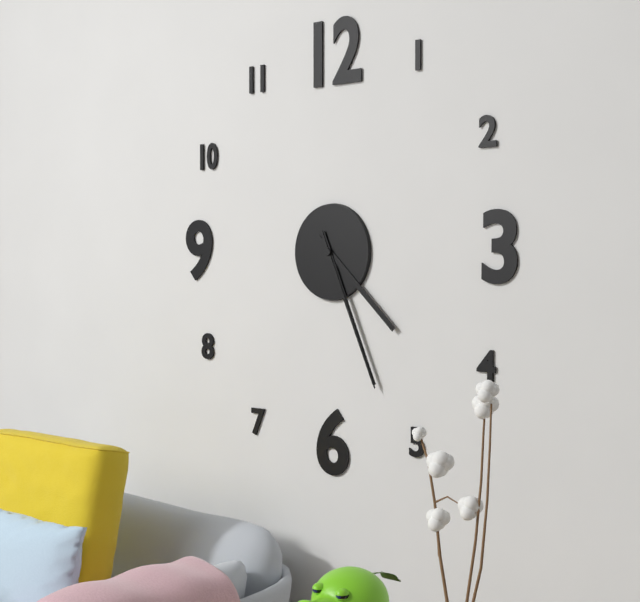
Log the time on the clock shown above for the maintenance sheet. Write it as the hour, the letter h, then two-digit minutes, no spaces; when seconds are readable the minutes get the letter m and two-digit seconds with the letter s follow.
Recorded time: 4h26m26s
